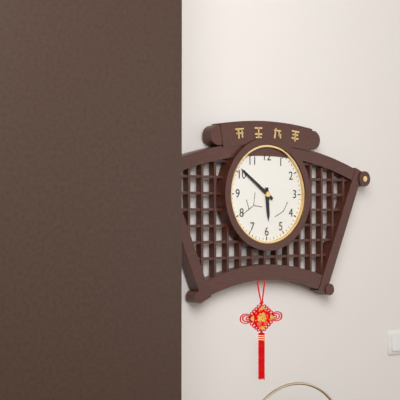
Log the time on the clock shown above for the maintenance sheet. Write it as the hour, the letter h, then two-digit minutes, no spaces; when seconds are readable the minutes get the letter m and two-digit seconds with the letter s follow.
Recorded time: 5h51
